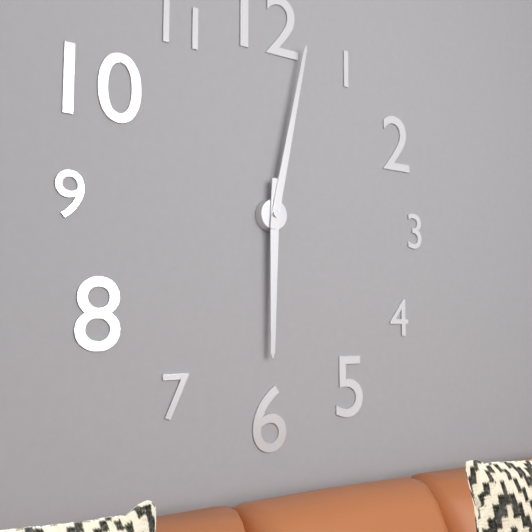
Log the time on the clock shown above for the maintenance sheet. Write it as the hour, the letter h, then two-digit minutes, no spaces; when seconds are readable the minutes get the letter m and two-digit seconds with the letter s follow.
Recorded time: 6h02
